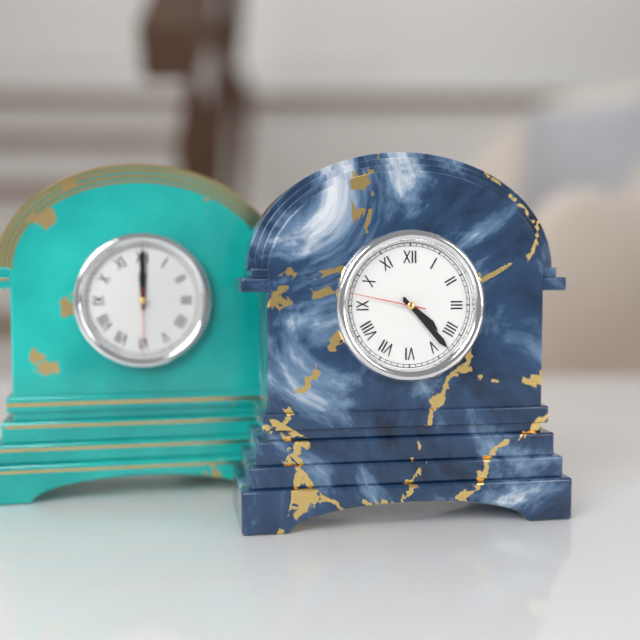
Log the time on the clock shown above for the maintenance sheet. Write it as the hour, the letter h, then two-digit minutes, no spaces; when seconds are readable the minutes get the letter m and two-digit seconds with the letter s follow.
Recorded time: 4h23m47s
